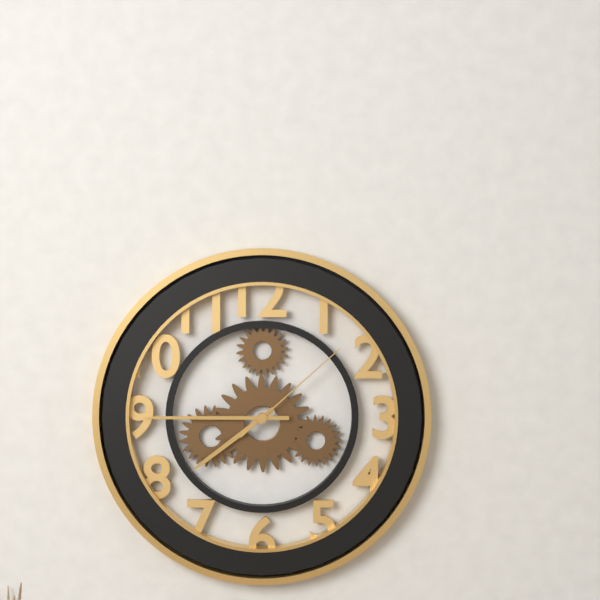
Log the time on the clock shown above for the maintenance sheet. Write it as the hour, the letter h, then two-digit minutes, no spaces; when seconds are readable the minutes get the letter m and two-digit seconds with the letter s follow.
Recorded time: 7h45m08s
